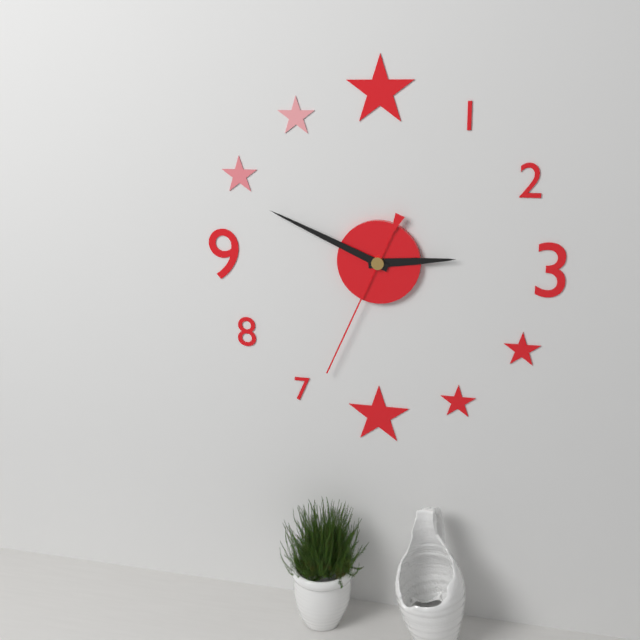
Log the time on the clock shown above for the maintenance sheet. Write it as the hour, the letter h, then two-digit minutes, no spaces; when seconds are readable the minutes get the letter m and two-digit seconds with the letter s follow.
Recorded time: 2h49m34s
